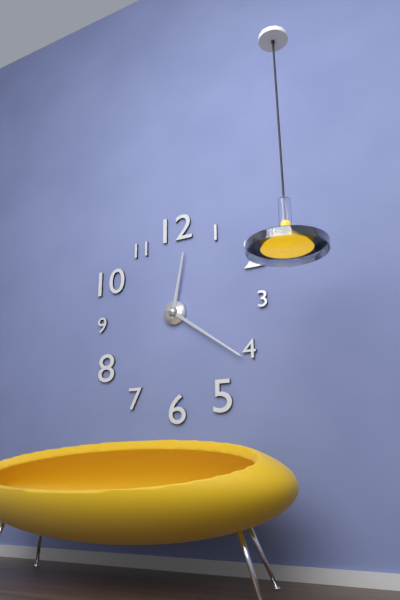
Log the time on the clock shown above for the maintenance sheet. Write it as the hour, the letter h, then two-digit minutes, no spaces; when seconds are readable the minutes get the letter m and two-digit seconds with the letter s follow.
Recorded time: 12h21
